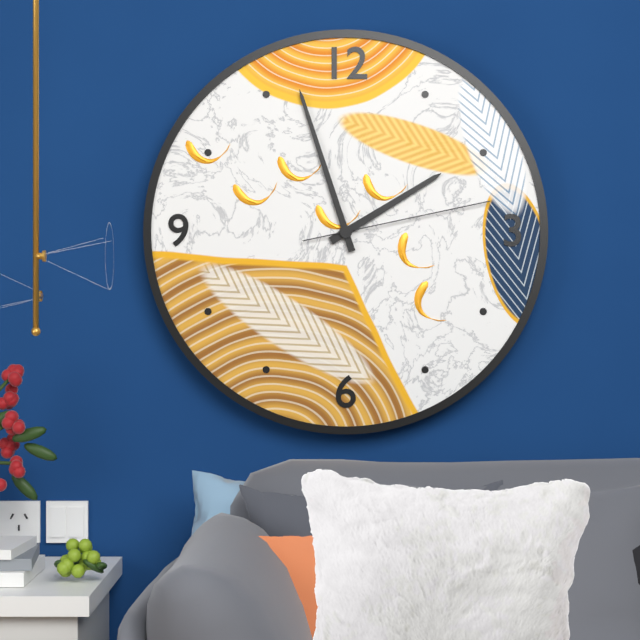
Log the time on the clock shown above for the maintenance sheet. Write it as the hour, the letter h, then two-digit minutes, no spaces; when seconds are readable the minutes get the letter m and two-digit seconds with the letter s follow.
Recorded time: 1h57m13s
